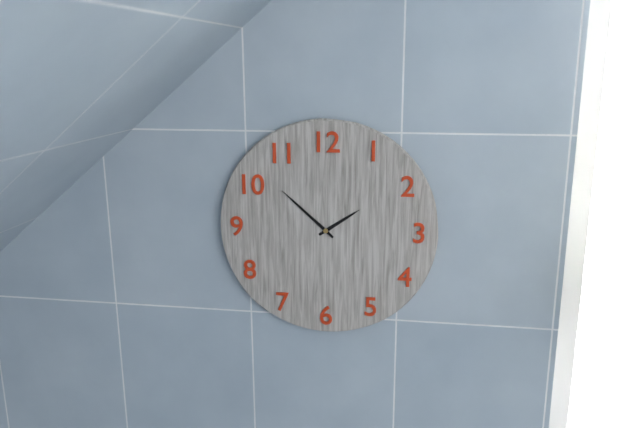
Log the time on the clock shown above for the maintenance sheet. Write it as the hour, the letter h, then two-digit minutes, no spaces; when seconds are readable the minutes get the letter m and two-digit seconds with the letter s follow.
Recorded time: 1h52
